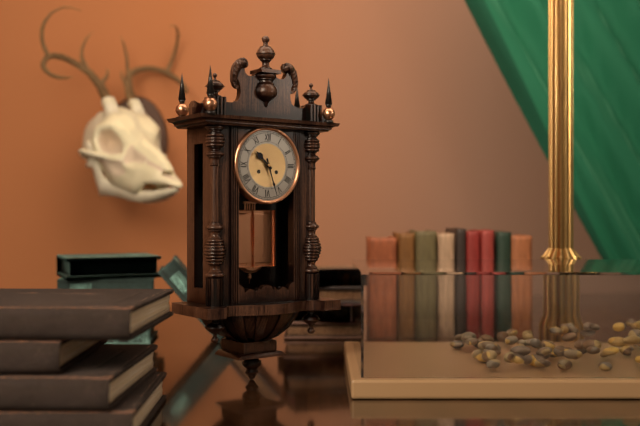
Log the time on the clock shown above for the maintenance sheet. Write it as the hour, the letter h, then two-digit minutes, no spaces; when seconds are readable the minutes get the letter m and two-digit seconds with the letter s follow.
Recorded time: 10h27
